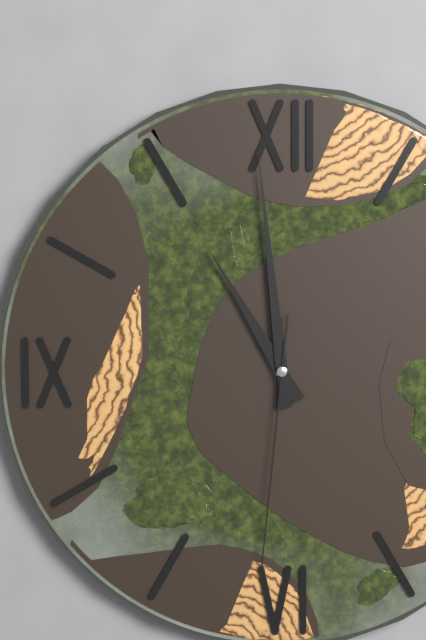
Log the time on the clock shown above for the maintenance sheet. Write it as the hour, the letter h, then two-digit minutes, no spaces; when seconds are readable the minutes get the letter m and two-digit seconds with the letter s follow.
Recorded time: 10h59m31s
